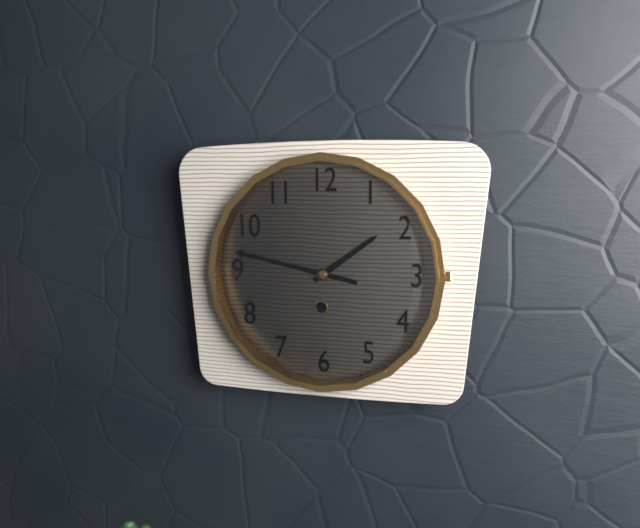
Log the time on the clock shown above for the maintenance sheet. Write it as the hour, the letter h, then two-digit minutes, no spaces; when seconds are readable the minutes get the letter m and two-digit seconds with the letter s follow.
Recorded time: 1h47
